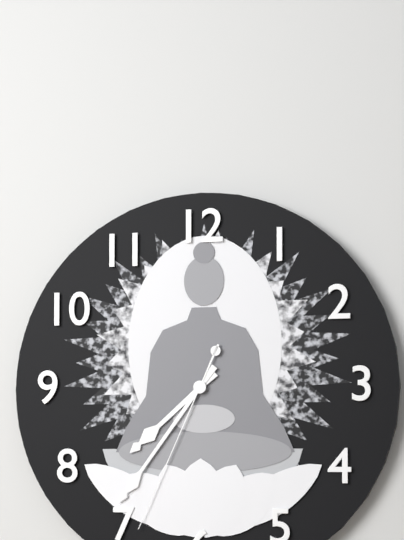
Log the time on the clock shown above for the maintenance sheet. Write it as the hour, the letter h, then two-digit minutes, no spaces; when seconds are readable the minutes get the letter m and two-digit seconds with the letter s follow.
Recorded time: 7h36m34s
